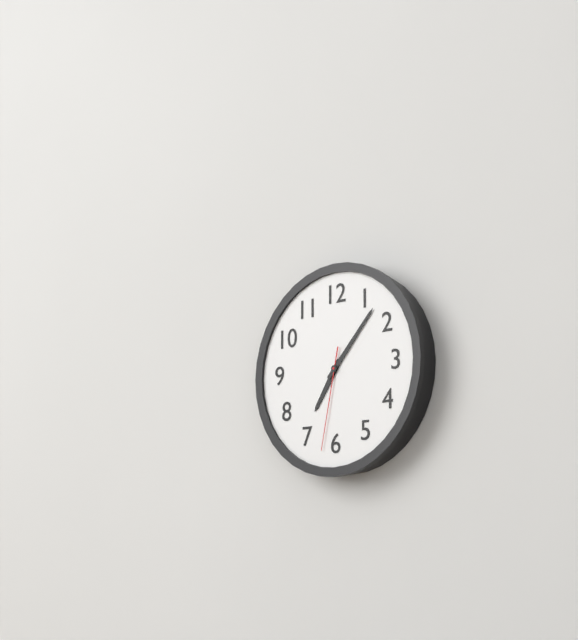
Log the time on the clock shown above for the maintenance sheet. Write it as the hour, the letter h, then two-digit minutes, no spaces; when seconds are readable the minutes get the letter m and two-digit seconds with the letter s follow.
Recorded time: 7h07m32s
